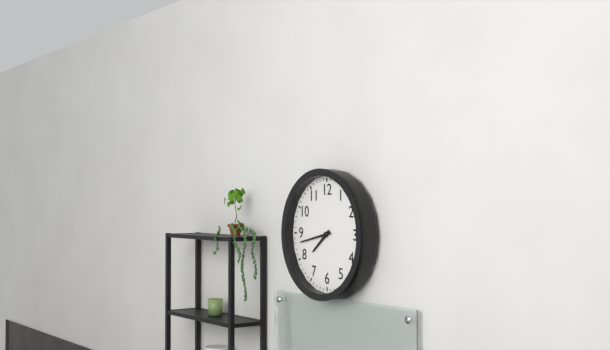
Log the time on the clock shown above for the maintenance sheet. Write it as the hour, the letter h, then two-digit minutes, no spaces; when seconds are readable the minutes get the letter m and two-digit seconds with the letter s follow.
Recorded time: 7h43
